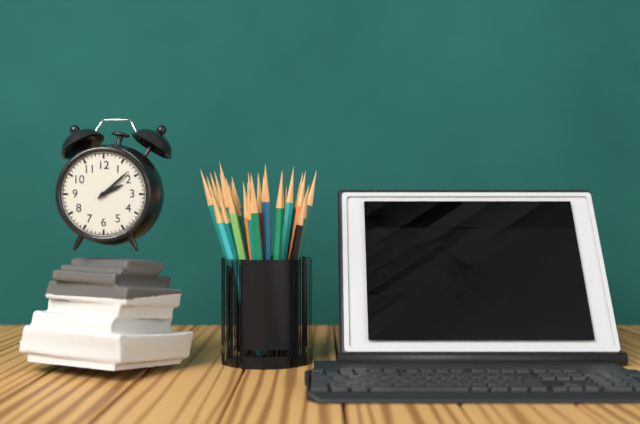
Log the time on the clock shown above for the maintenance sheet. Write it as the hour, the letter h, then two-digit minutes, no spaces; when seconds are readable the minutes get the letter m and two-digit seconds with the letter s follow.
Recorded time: 2h08
